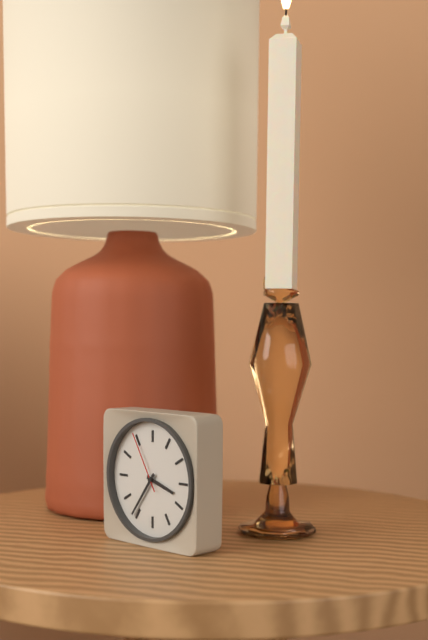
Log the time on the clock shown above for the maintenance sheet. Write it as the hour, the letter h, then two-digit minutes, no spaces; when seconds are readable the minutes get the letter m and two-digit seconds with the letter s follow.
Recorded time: 3h36m55s
